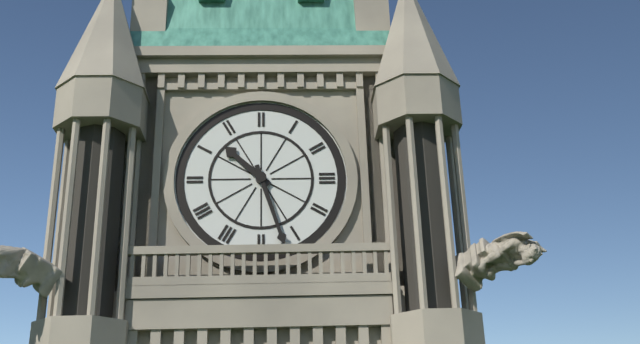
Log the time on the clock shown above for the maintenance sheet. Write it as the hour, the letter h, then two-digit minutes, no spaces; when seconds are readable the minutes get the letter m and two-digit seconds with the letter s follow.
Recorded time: 10h27
